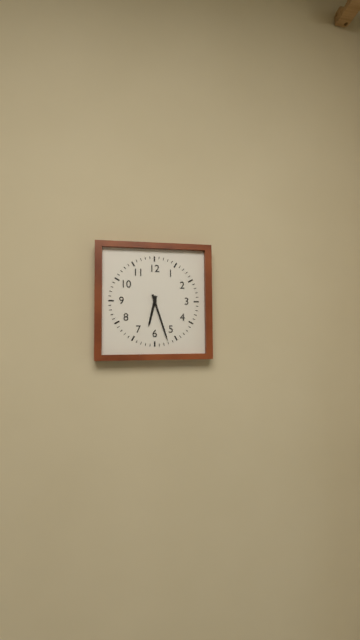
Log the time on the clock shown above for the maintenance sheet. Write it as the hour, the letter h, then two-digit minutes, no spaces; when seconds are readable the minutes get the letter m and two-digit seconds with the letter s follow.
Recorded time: 6h27
